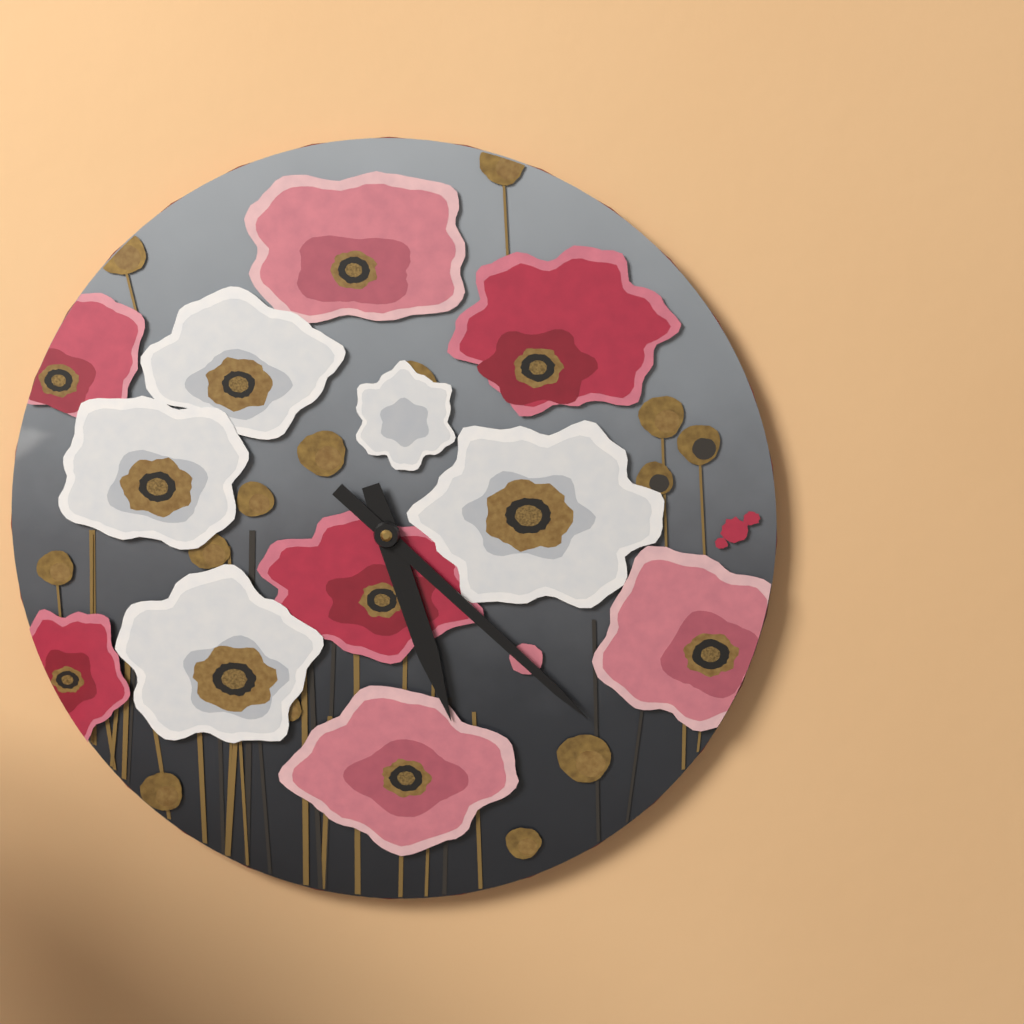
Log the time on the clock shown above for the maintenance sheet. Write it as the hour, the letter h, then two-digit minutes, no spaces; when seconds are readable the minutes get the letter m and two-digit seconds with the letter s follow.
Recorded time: 5h22
